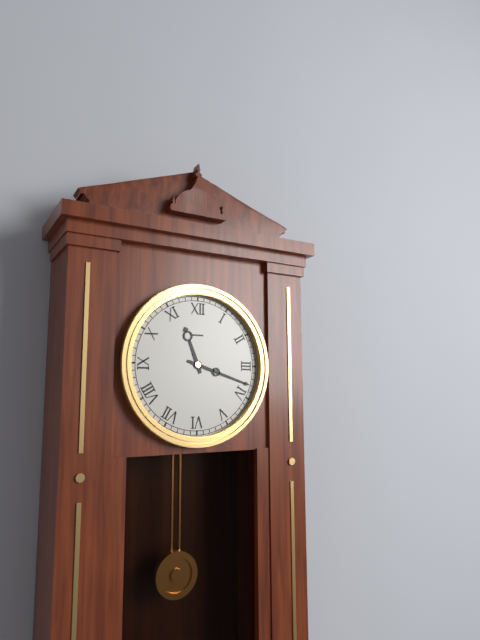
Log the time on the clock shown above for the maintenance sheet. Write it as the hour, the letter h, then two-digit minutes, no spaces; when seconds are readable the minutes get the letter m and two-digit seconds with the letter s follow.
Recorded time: 11h18
